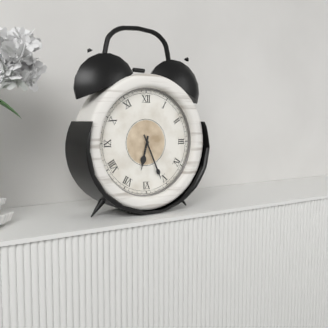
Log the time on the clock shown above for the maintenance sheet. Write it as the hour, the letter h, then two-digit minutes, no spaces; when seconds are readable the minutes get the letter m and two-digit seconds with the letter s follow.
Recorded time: 6h26
